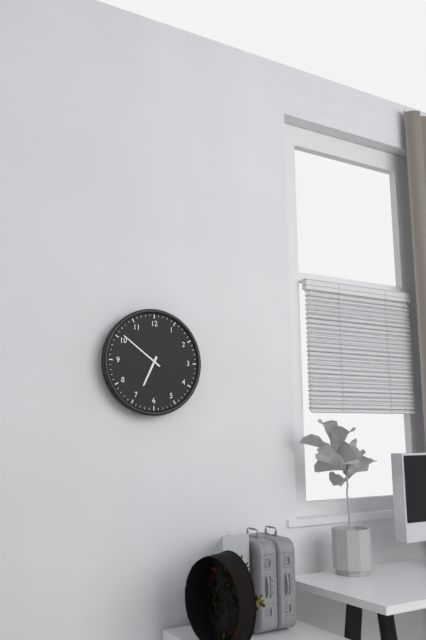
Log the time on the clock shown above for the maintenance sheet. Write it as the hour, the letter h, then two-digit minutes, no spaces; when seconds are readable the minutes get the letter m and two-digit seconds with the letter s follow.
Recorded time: 6h51
